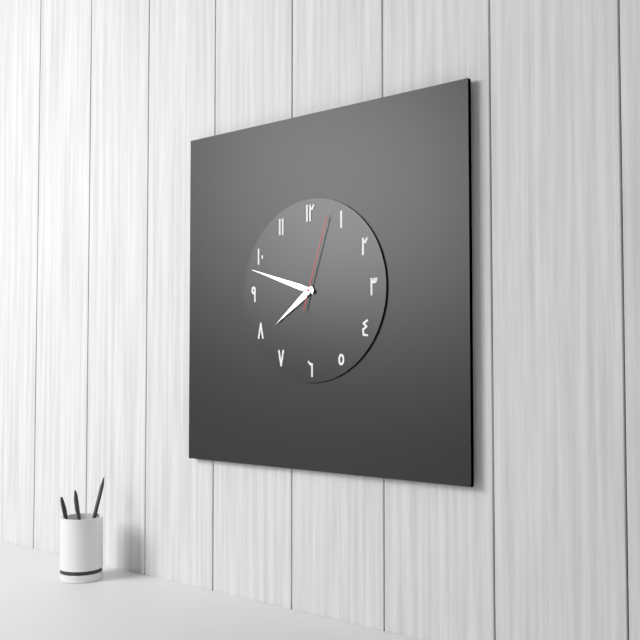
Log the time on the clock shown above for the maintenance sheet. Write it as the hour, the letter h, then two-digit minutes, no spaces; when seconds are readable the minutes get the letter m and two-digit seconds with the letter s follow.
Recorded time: 7h48m03s
